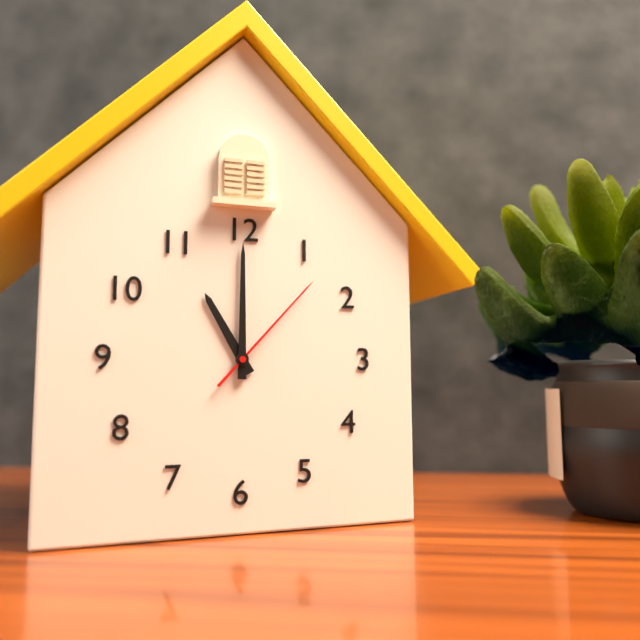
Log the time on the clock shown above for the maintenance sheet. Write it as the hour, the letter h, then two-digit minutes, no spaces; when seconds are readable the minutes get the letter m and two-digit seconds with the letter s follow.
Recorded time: 11h00m07s
